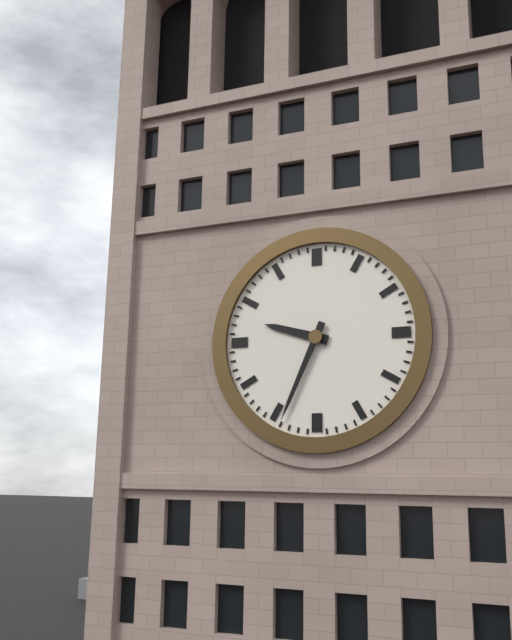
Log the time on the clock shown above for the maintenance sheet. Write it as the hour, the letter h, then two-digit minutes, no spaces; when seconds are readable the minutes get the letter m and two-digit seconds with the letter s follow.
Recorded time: 9h34
